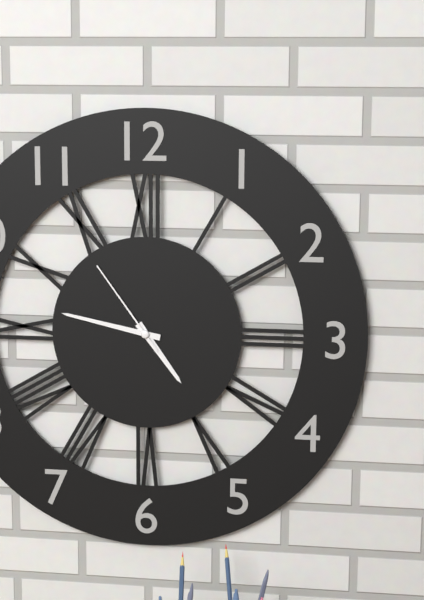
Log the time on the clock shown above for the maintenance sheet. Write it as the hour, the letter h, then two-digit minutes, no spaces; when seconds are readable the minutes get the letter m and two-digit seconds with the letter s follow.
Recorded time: 4h47m54s
